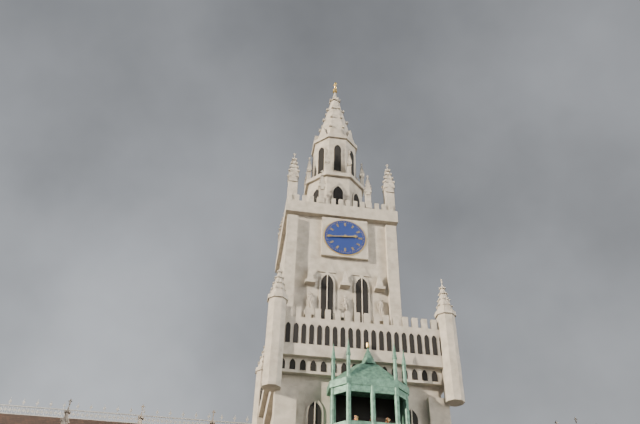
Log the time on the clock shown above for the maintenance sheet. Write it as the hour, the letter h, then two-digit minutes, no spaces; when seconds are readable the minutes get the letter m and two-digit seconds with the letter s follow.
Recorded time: 2h44
